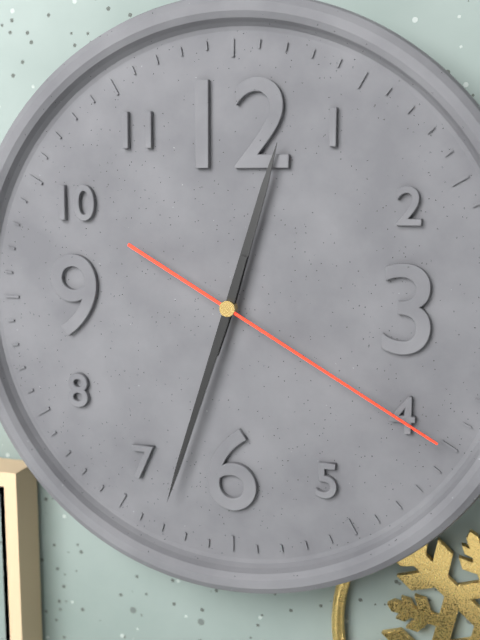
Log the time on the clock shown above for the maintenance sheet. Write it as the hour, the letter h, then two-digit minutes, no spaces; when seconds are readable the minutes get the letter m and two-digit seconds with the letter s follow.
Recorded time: 12h33m20s
